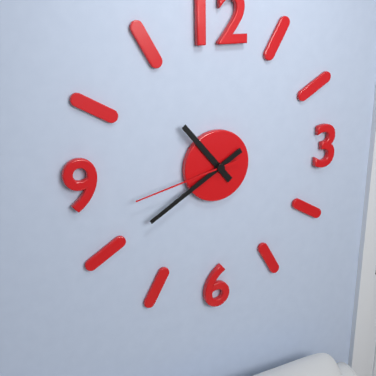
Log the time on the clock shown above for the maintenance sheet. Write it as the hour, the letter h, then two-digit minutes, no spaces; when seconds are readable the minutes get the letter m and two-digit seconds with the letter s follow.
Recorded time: 10h40m43s
